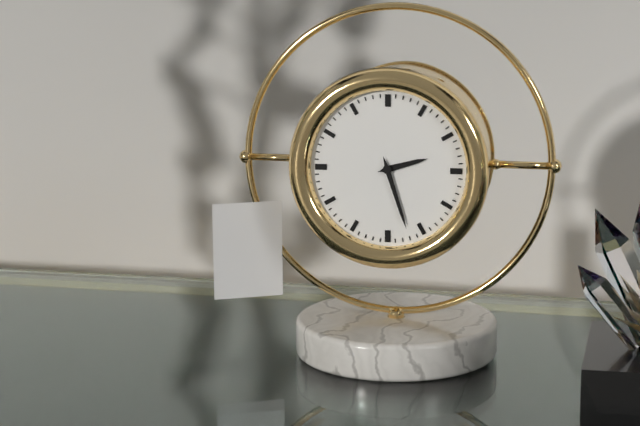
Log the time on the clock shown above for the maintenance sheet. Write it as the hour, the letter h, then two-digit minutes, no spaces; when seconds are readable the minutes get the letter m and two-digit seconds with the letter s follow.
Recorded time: 2h27
